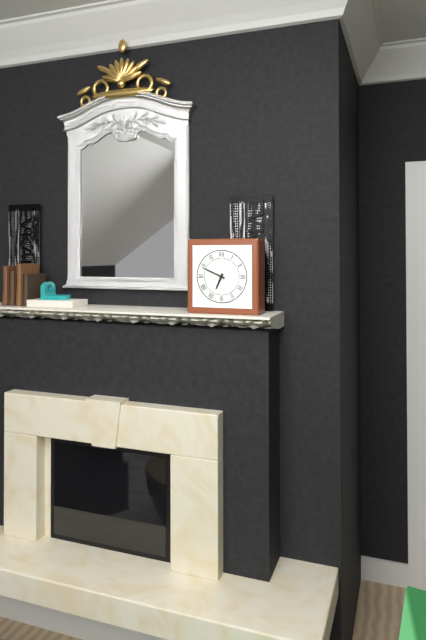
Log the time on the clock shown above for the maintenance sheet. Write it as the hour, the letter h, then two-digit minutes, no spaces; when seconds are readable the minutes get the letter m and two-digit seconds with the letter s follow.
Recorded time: 6h49
